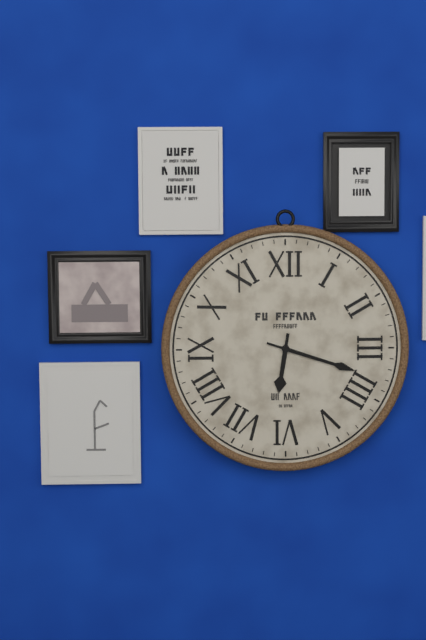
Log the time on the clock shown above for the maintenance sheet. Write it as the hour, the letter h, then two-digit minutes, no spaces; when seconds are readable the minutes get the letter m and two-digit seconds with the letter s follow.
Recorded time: 6h18
